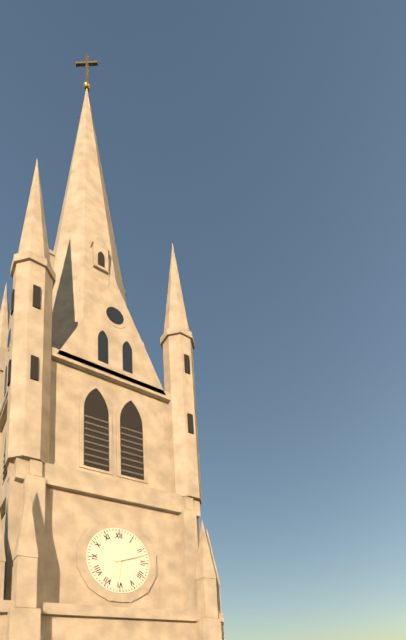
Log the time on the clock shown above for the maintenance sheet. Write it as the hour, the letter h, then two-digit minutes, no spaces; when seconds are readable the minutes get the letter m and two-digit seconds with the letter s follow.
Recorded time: 6h12
